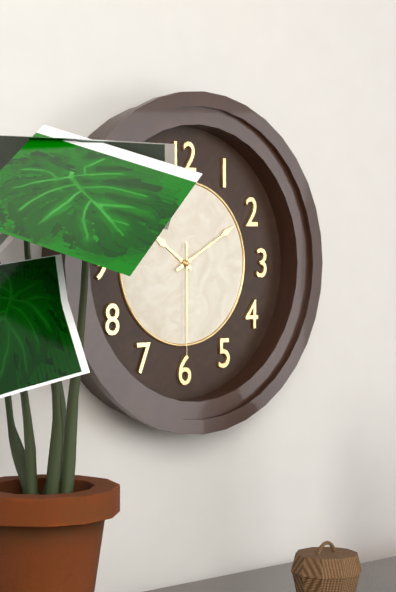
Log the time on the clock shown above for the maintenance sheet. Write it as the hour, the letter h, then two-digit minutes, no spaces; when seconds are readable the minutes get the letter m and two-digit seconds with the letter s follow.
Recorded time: 10h10m30s
